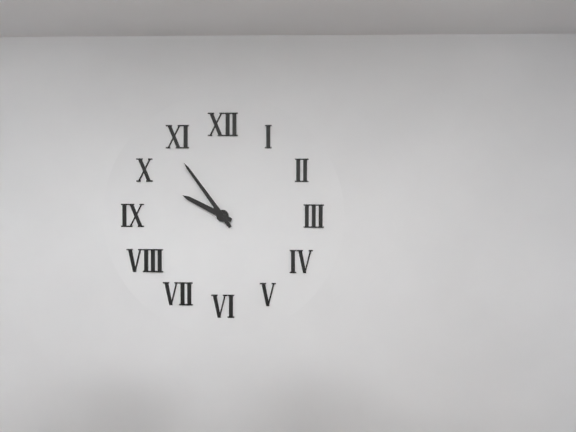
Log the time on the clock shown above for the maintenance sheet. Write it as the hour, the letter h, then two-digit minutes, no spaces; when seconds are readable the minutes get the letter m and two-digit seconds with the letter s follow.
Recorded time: 9h54
